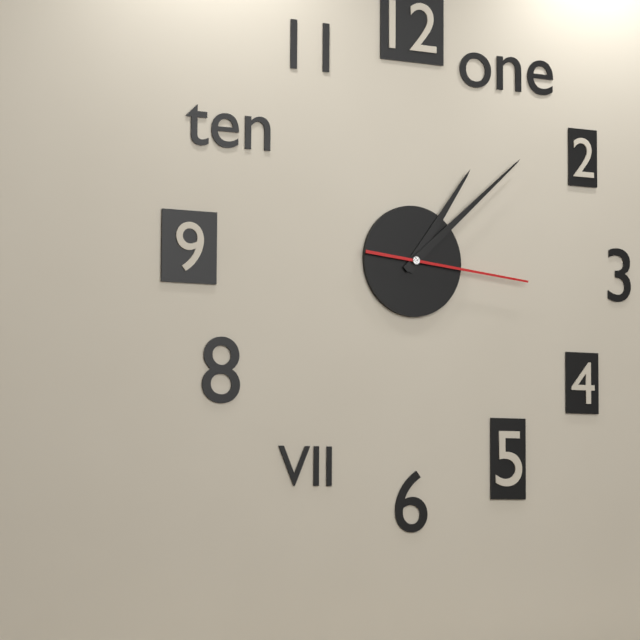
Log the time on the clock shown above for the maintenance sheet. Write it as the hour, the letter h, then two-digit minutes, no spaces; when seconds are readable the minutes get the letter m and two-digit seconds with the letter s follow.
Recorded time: 1h08m16s
